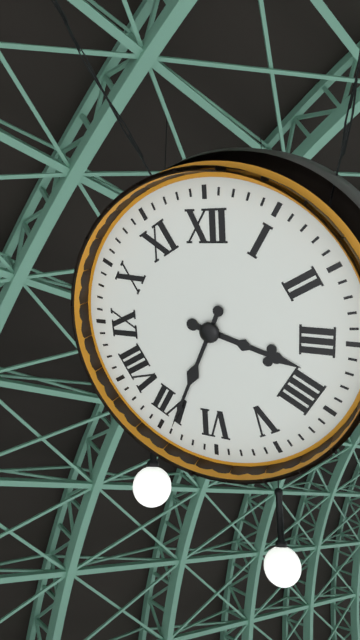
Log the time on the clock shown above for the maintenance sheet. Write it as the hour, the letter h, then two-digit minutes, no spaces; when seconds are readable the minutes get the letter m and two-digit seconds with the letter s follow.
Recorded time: 3h34
